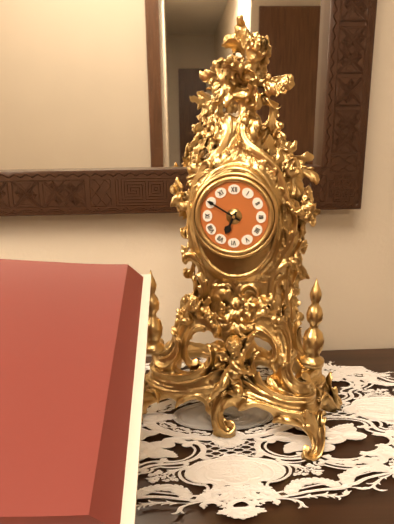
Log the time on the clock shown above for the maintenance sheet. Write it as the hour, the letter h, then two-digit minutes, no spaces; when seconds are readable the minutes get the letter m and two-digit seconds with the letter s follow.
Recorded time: 6h50
